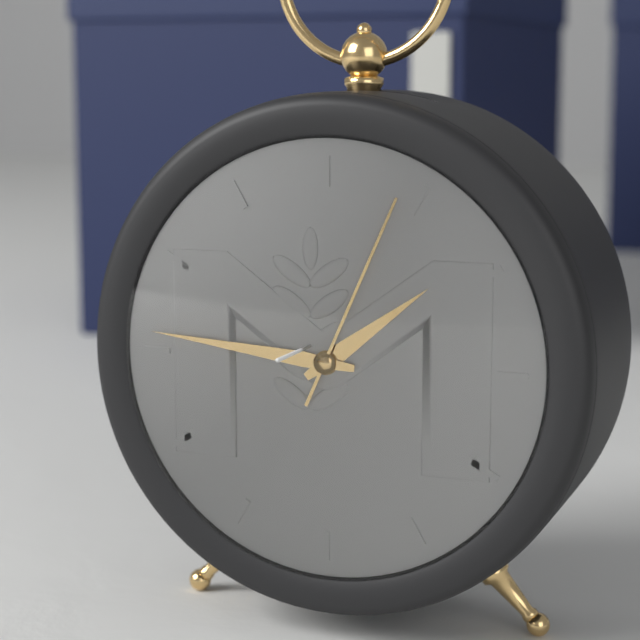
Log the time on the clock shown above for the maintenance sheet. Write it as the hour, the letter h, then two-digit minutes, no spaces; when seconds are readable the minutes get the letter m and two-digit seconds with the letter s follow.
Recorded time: 1h46m04s
